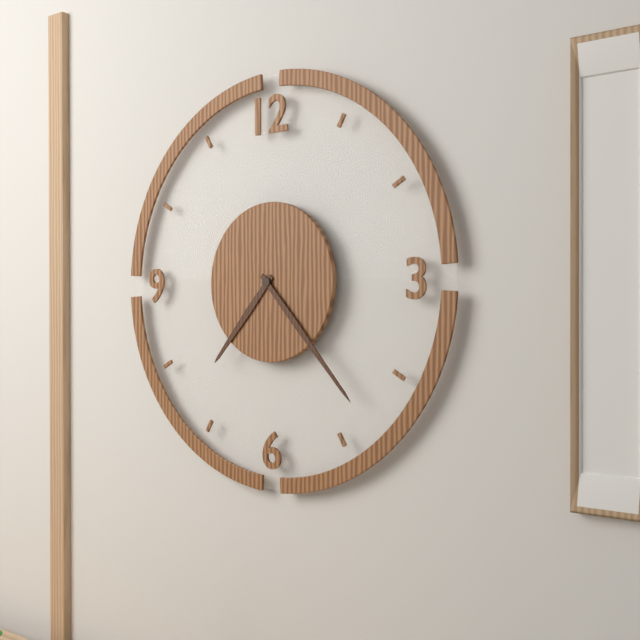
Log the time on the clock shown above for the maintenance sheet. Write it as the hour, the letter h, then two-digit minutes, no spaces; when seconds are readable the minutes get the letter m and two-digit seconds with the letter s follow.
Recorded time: 7h23
